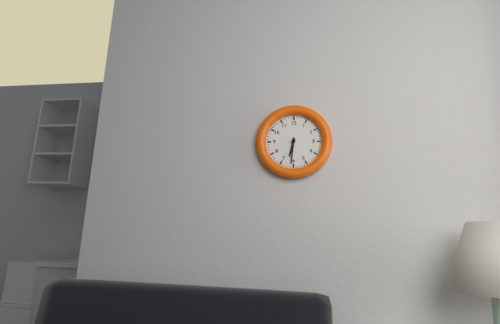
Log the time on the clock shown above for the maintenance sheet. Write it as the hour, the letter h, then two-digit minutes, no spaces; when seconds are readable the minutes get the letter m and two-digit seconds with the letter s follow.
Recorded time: 6h31
